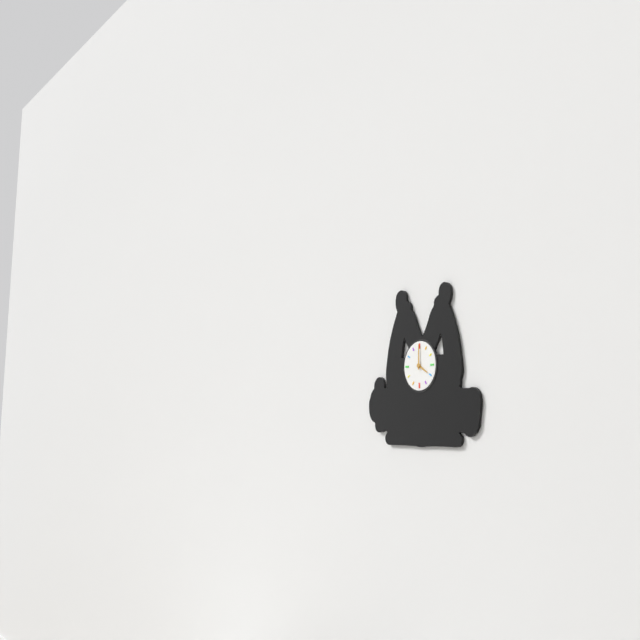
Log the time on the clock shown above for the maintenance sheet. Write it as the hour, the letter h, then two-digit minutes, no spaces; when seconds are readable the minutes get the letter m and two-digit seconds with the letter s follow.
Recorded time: 4h00
